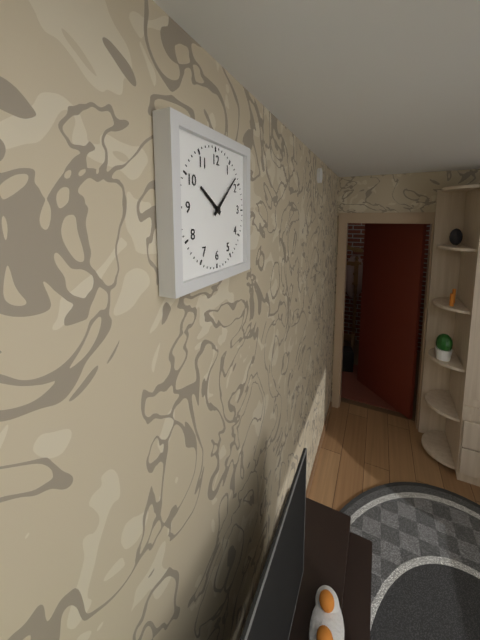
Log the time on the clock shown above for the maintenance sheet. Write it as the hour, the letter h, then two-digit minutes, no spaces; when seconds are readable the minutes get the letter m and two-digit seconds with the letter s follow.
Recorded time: 10h08
